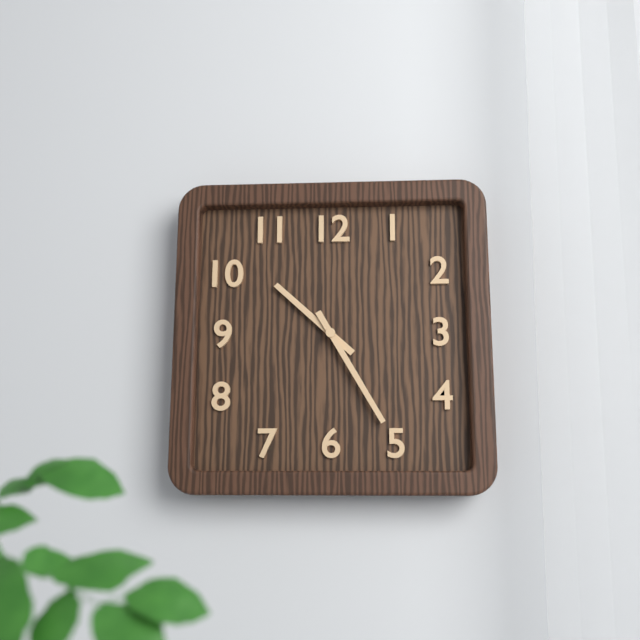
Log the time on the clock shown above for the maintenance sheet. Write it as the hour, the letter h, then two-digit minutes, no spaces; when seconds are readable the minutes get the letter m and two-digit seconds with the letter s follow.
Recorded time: 10h25
